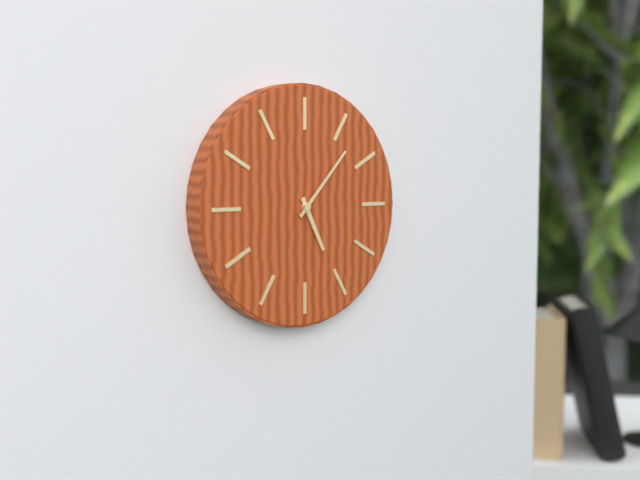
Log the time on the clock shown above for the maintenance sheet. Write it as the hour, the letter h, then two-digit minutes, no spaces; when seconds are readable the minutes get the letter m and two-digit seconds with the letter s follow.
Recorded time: 5h07
